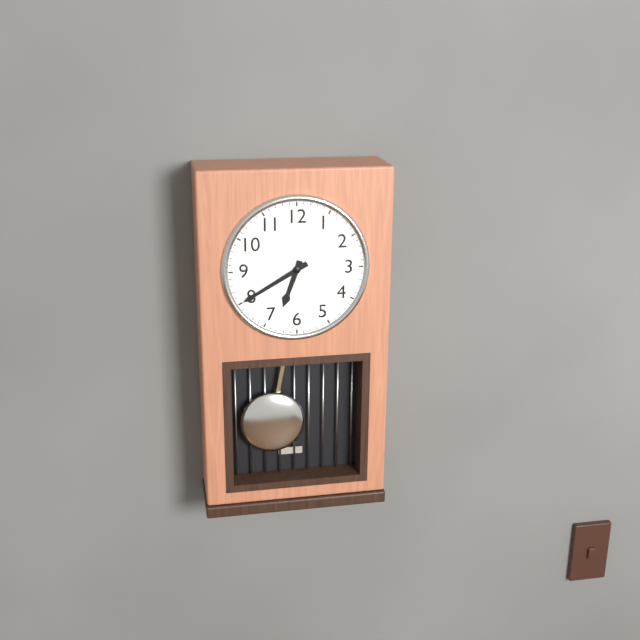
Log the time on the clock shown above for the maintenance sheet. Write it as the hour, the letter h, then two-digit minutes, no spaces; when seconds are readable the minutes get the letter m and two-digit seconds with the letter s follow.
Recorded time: 6h40
